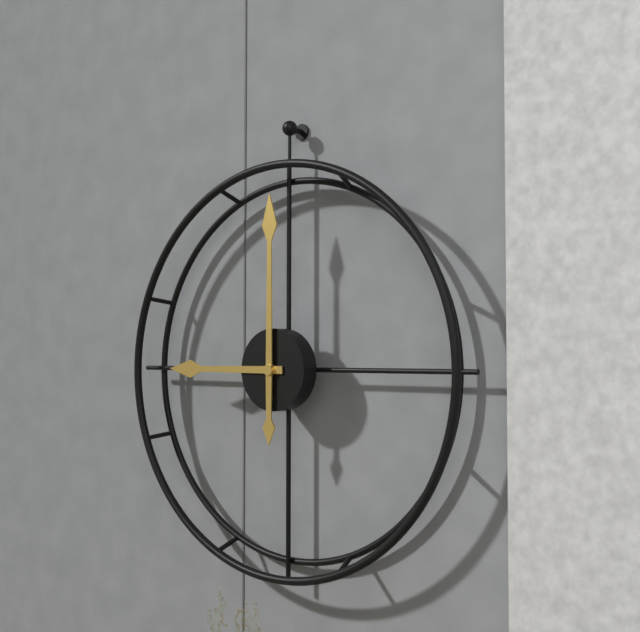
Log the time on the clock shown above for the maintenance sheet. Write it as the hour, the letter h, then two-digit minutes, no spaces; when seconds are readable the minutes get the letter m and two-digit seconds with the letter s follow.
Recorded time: 9h00
